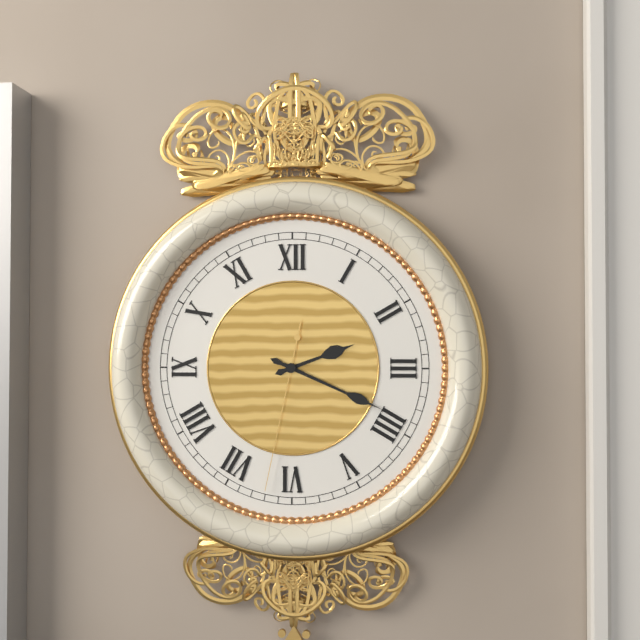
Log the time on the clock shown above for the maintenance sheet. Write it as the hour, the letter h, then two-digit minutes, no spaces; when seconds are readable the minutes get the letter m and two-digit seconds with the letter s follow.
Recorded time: 2h19m32s
